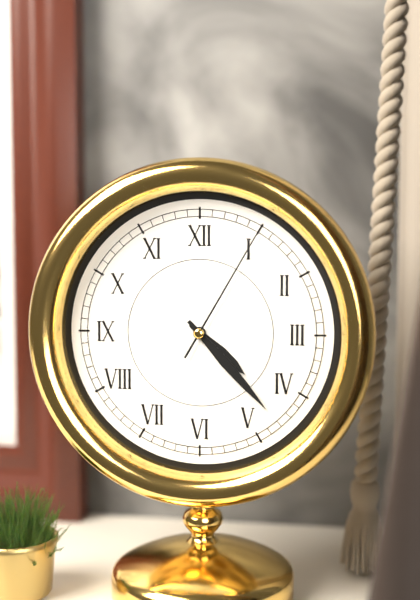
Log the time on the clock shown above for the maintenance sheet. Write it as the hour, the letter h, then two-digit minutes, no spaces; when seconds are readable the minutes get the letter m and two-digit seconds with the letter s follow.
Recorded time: 4h23m05s
